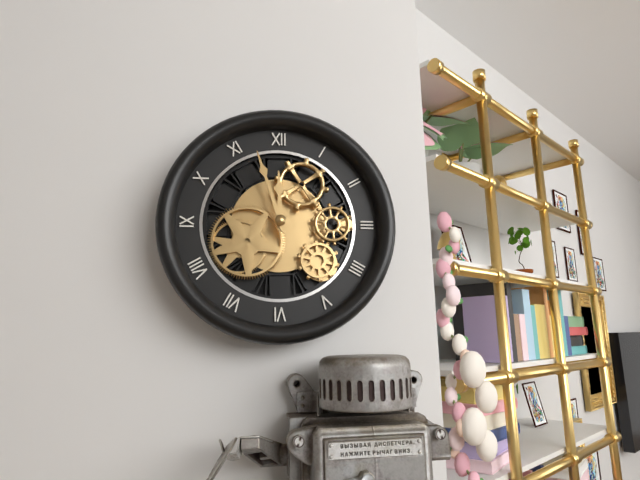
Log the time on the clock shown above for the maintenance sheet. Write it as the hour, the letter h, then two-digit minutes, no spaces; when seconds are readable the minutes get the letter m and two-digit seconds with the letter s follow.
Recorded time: 11h57
